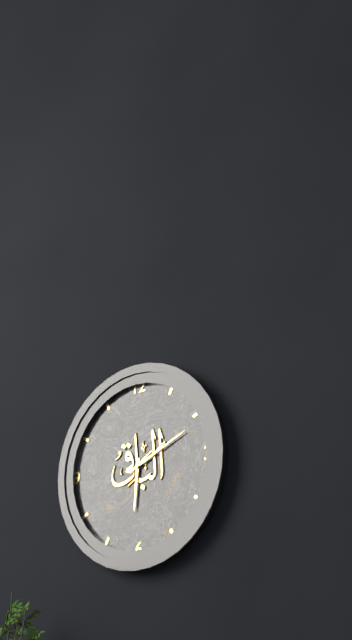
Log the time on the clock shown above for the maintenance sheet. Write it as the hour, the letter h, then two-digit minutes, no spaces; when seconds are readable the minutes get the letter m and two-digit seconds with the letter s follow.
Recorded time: 6h11
